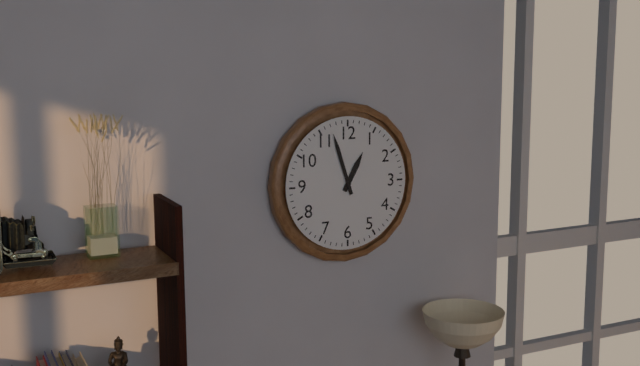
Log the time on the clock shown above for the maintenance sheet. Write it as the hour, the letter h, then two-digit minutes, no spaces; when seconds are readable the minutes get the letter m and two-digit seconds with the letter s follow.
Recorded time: 12h57
